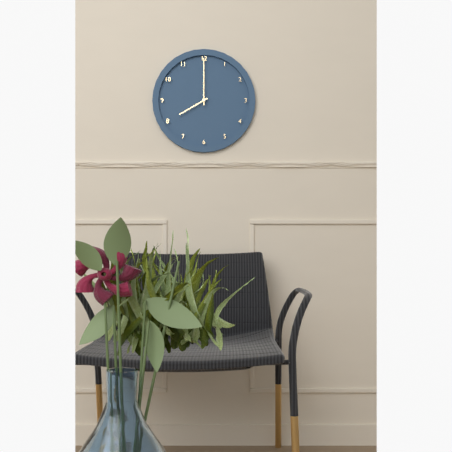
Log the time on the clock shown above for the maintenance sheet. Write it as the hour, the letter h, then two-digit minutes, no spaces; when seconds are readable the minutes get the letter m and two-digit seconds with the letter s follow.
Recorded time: 8h00
